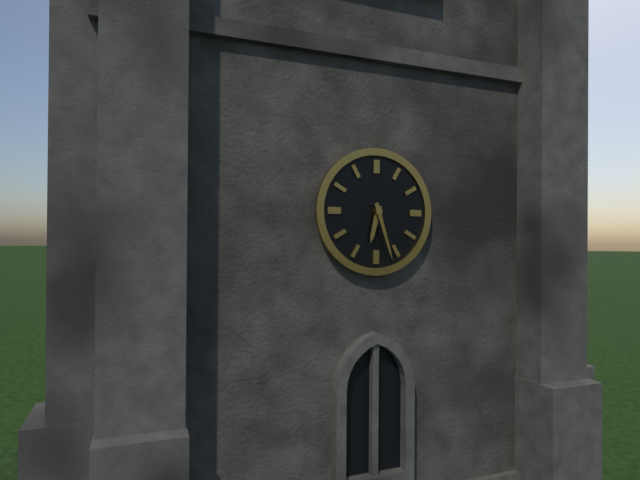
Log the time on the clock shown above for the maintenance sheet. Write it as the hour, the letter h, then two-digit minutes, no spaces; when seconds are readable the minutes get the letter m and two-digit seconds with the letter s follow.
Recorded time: 6h27
